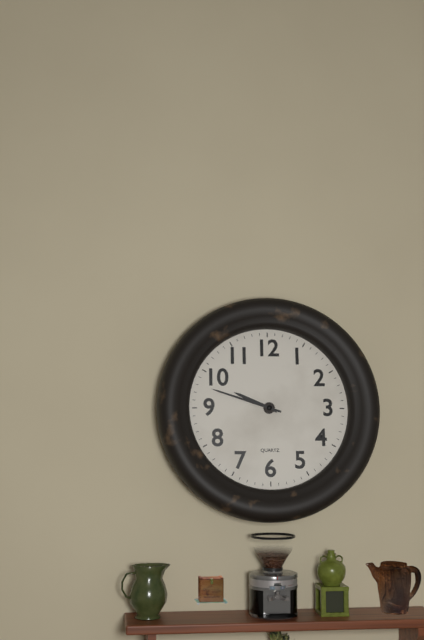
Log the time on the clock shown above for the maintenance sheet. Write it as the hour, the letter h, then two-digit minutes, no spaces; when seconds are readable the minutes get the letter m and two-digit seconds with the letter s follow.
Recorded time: 9h48
